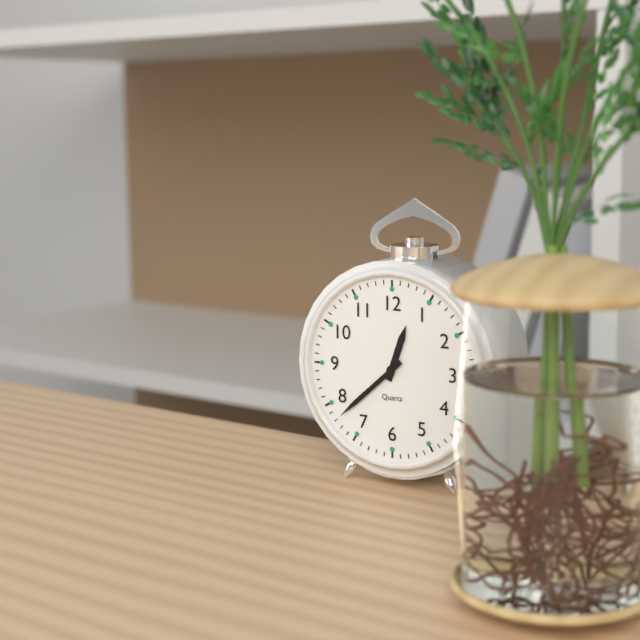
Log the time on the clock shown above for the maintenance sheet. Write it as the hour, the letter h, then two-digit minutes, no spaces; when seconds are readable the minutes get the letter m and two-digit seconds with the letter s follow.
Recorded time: 12h38
